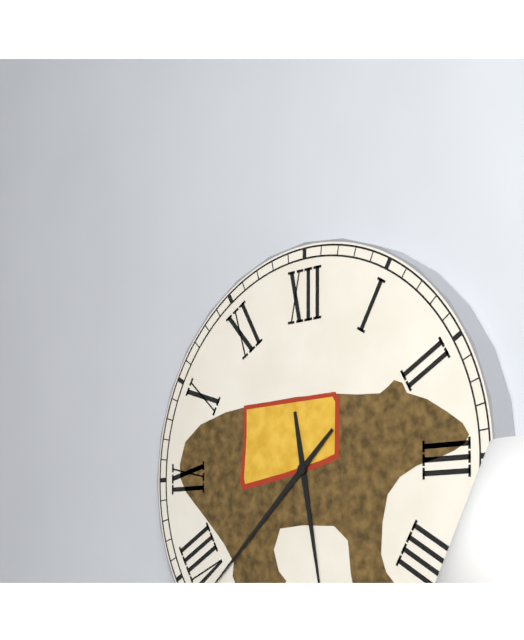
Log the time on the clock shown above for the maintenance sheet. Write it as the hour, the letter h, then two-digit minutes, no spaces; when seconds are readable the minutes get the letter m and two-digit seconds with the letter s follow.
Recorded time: 5h38
